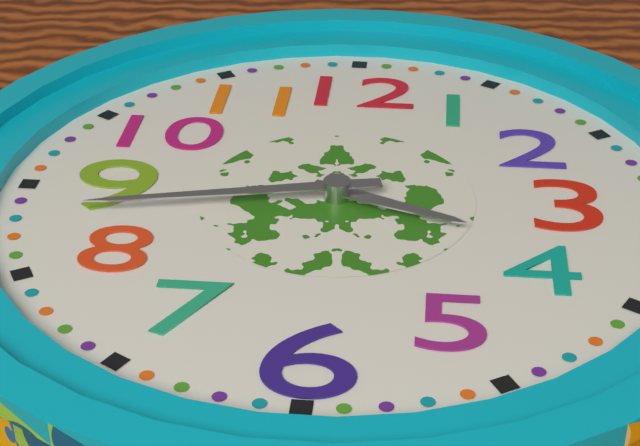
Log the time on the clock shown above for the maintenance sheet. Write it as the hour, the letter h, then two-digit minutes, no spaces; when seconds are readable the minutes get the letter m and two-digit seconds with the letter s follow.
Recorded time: 3h43
